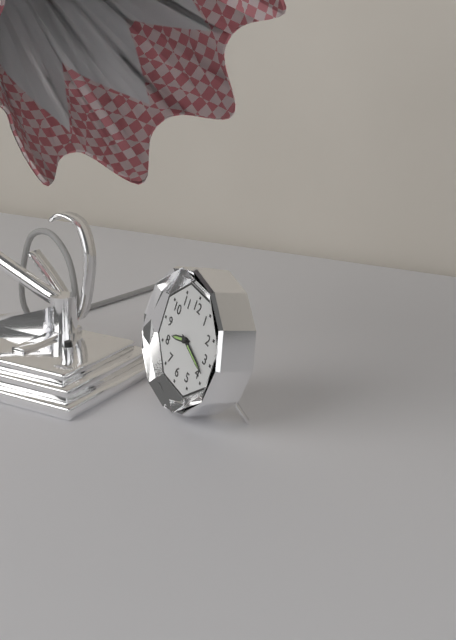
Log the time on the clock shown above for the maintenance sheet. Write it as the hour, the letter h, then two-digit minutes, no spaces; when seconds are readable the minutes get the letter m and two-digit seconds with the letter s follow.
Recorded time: 8h18
